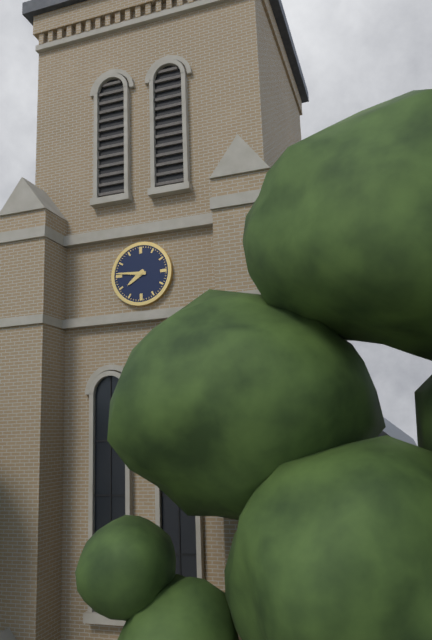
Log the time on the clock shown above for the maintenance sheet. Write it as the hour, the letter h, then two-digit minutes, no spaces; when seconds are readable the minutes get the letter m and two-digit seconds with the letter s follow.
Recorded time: 7h46
